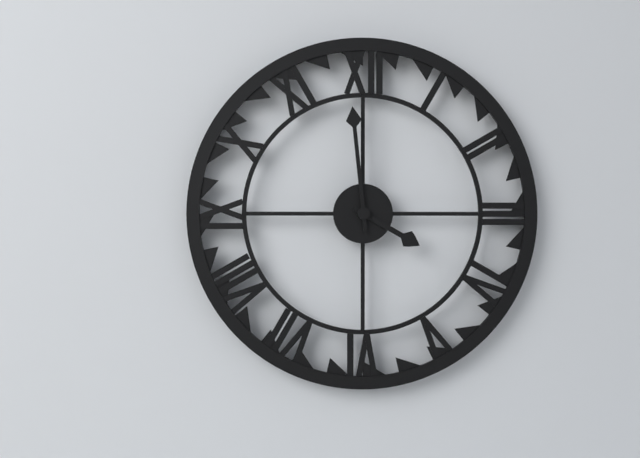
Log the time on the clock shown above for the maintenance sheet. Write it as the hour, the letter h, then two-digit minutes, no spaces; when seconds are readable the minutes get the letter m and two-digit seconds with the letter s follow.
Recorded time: 3h59
